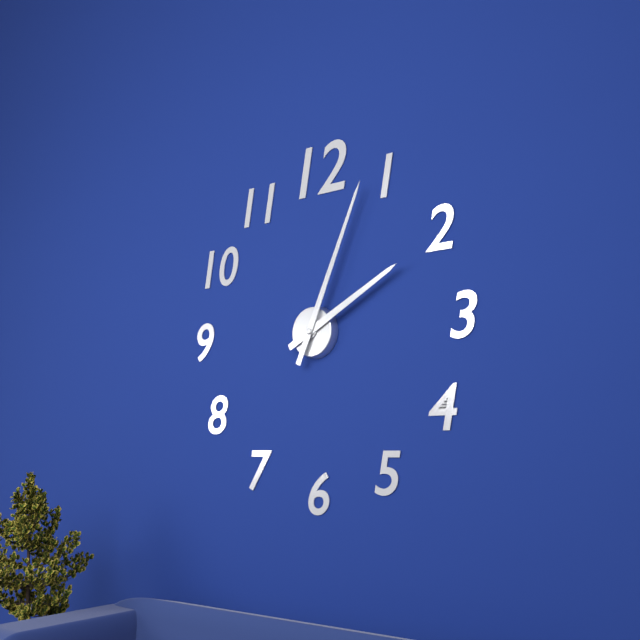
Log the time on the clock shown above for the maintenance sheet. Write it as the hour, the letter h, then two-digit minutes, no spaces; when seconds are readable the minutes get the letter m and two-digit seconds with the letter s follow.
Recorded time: 2h04
